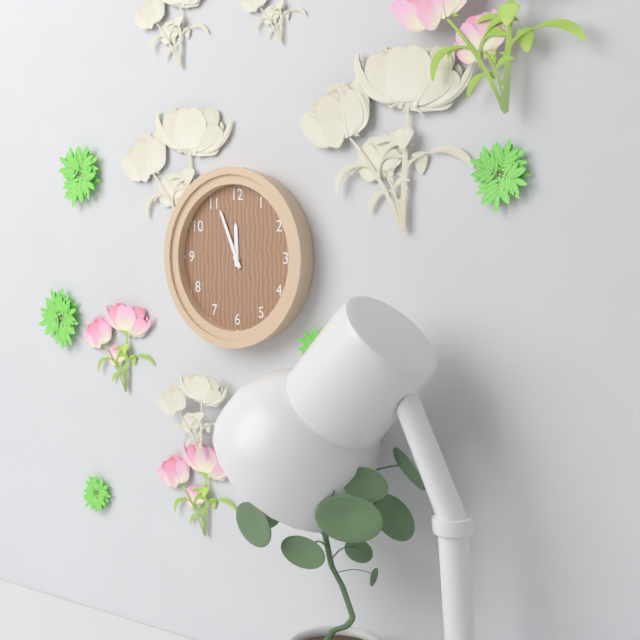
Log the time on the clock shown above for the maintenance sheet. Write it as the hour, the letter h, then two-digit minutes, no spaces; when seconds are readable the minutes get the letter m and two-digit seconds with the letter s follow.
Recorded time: 11h56
